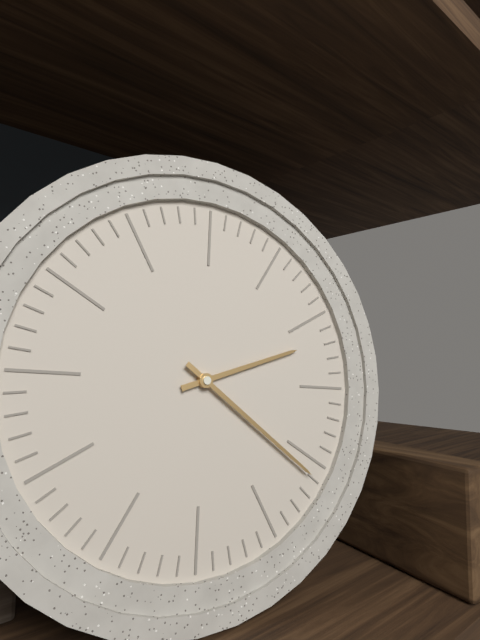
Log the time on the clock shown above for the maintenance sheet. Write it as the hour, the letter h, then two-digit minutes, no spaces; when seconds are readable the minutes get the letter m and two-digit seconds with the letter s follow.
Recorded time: 2h21
